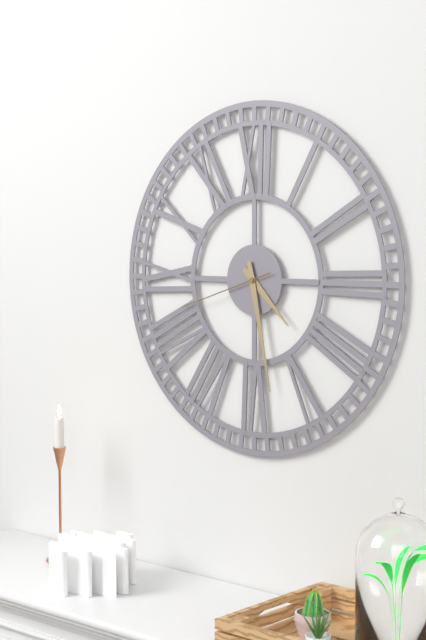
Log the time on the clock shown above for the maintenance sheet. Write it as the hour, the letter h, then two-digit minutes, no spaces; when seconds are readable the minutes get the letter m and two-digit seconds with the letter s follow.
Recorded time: 4h28m42s
